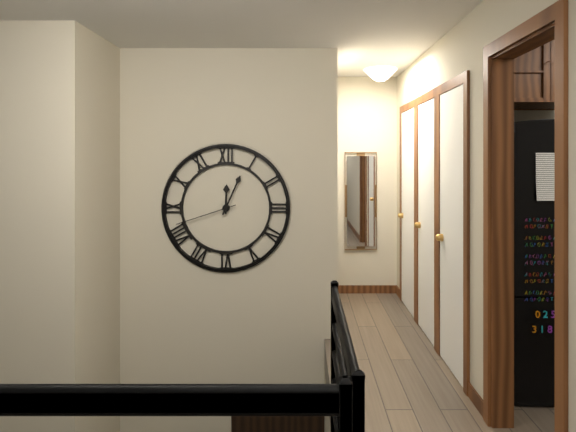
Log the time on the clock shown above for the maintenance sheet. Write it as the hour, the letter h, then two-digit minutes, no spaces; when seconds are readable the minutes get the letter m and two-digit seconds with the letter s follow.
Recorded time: 12h04m42s
